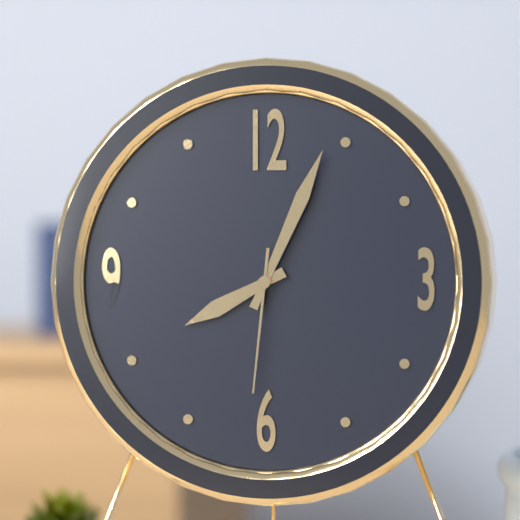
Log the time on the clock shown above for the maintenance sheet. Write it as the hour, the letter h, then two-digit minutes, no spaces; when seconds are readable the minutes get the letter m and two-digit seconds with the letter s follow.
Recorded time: 8h04m31s
